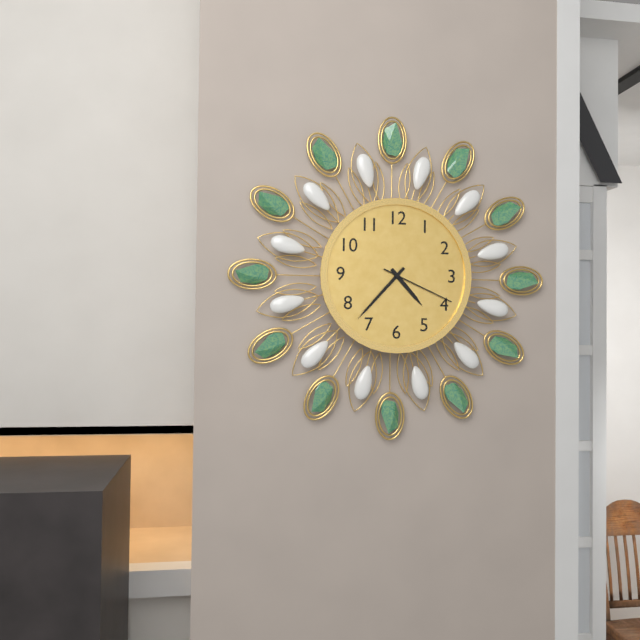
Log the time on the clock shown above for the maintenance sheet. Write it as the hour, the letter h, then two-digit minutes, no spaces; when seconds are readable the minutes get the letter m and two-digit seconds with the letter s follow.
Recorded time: 4h37m19s
